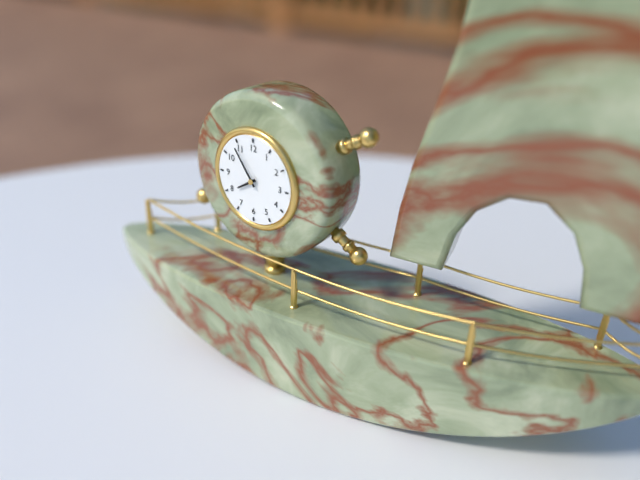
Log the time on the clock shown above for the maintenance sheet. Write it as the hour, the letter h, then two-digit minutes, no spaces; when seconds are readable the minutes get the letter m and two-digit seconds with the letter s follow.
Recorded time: 7h54
